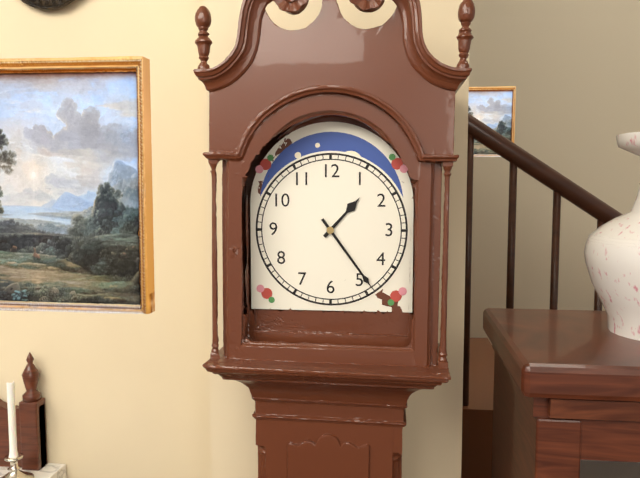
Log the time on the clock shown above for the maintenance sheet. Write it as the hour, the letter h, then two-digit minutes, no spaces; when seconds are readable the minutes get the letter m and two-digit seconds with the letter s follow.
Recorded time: 1h24
